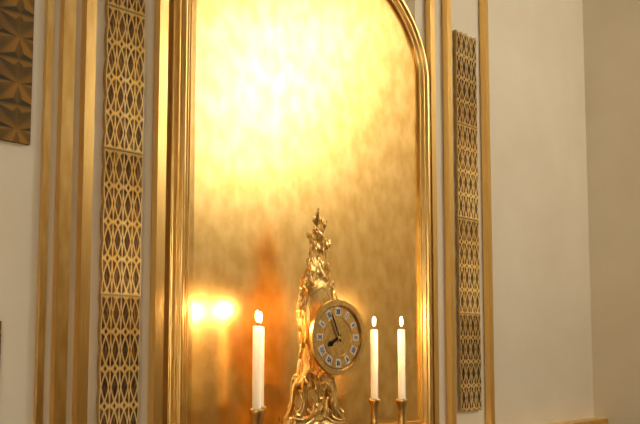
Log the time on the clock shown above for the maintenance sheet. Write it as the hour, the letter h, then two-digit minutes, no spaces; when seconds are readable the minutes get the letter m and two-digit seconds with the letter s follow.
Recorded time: 7h56
